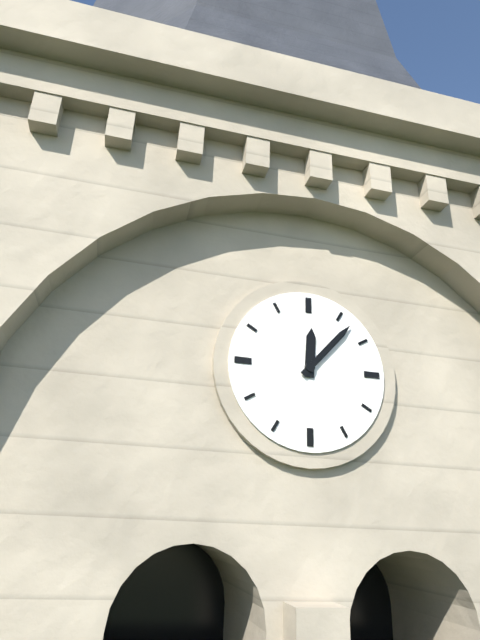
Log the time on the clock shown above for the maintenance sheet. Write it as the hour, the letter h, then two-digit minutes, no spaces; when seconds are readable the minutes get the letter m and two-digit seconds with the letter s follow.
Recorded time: 12h07
